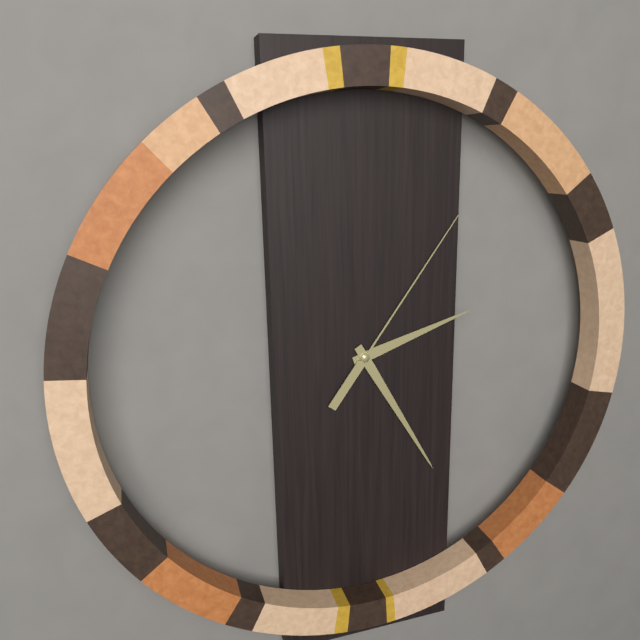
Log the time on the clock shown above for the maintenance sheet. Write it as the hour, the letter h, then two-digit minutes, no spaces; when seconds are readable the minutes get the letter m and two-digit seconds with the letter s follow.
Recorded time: 2h25m06s
